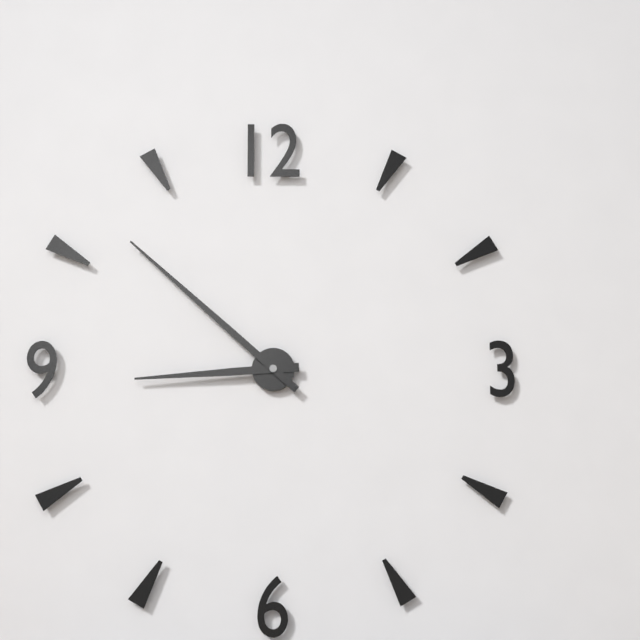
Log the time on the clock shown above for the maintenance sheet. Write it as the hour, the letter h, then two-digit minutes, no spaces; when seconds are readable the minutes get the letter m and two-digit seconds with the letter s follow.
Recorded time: 8h52
